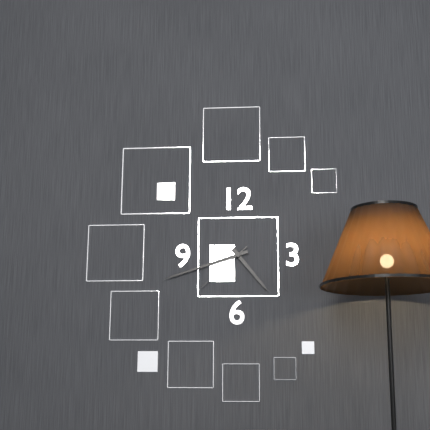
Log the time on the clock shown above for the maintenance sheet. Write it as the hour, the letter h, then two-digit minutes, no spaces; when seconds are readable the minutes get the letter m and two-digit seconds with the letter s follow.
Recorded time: 4h42m38s
